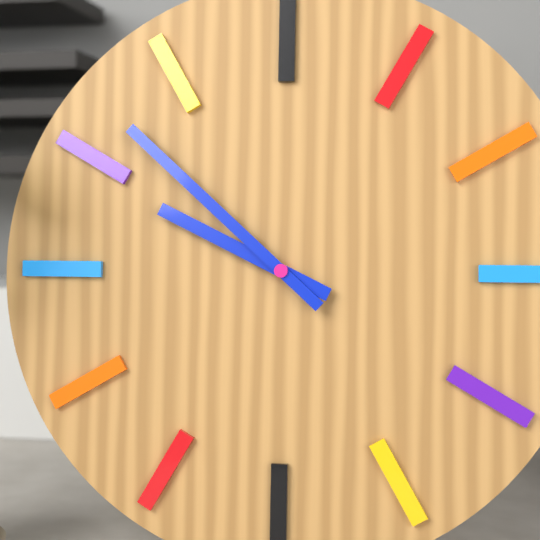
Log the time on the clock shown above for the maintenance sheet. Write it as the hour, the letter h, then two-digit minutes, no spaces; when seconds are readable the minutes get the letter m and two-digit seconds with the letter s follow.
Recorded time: 9h52
